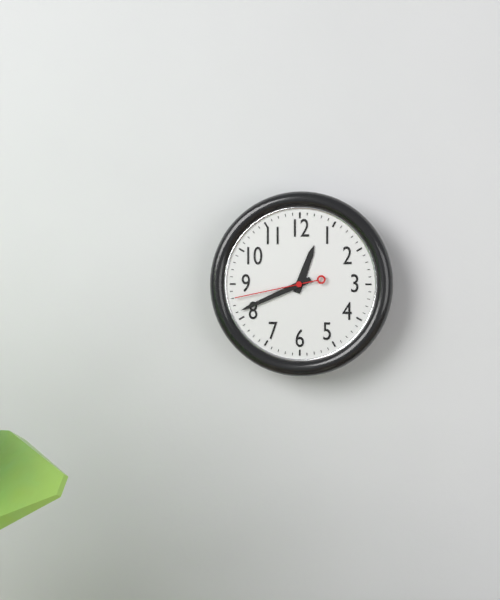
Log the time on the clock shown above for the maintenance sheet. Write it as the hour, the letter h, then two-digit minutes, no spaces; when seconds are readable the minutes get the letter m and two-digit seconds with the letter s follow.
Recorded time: 12h41m43s
